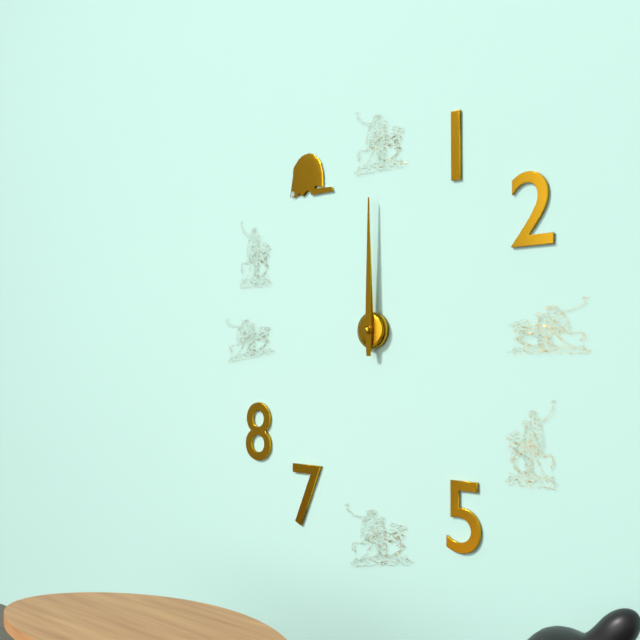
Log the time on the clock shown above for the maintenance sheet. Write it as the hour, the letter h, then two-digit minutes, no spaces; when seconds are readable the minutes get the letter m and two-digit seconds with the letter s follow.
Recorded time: 12h00
